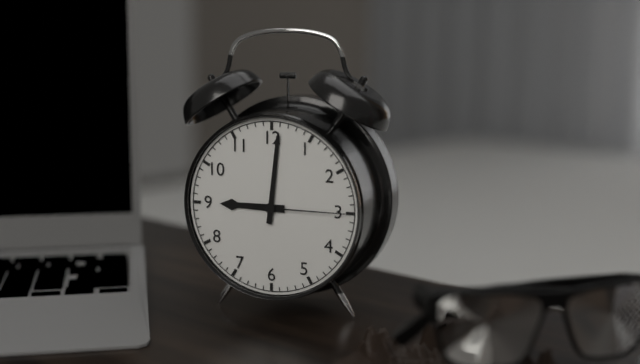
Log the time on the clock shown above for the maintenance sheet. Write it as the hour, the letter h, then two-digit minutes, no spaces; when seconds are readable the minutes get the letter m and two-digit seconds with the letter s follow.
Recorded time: 9h01m15s
